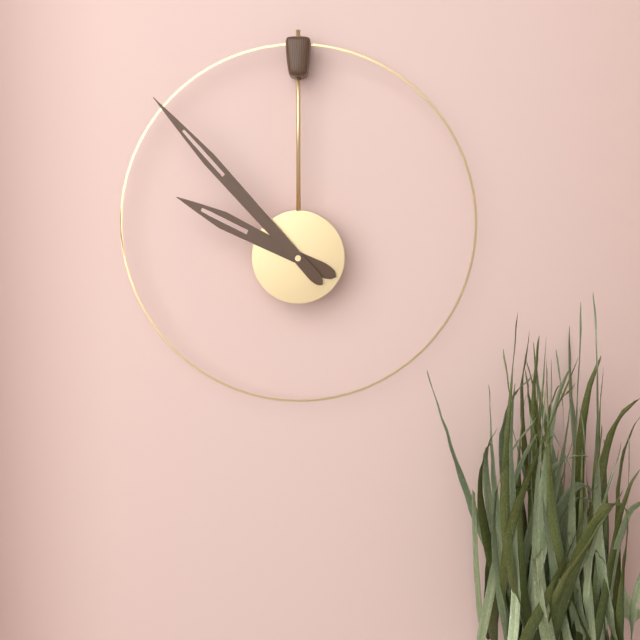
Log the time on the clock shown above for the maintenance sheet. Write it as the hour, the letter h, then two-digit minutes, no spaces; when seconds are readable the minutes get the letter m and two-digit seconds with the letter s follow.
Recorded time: 9h53
